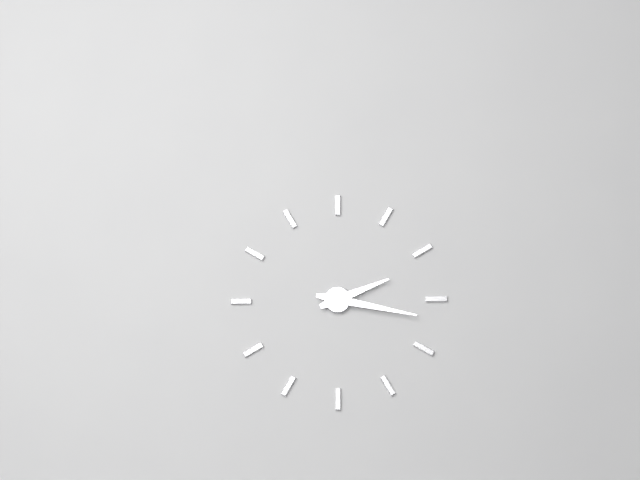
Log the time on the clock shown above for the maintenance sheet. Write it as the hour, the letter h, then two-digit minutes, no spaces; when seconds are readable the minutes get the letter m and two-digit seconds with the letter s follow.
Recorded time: 2h17
